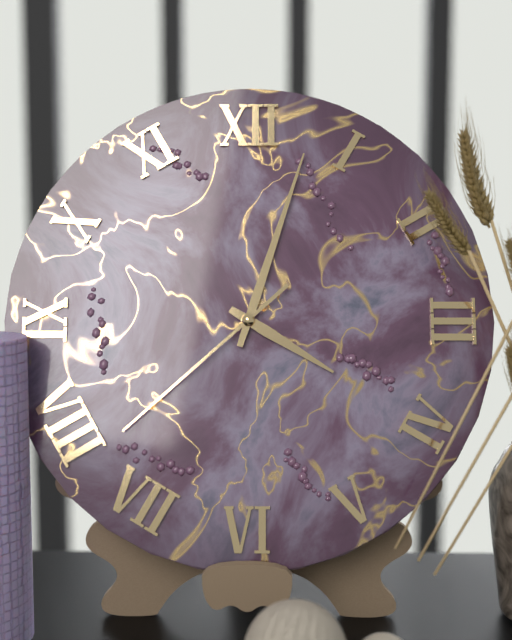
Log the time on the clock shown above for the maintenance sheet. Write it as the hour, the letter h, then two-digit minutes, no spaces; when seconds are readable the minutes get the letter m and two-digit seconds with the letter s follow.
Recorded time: 4h03m38s
